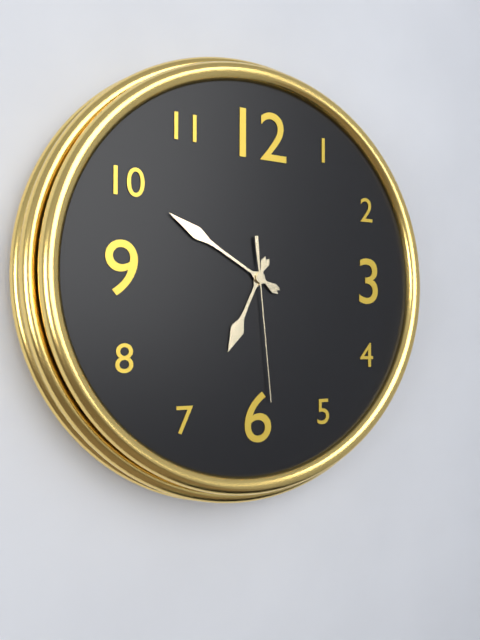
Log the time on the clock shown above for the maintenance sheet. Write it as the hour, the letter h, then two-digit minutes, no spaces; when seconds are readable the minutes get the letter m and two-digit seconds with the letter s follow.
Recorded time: 6h50m29s
